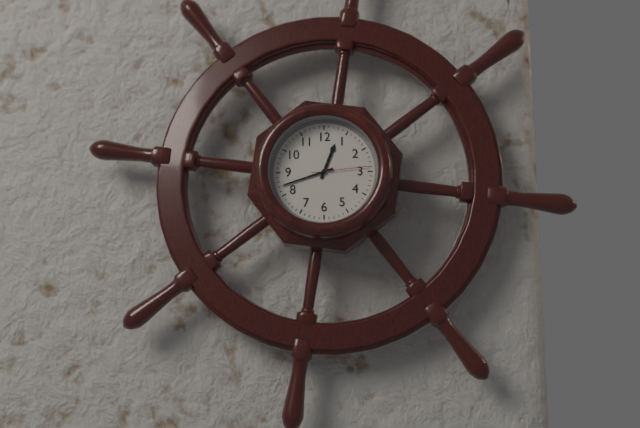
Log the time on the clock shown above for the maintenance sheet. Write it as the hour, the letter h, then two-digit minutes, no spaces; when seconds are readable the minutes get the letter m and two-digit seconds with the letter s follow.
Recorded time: 12h42m14s
